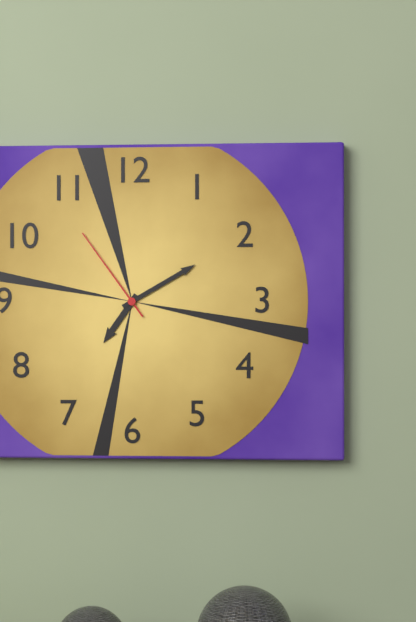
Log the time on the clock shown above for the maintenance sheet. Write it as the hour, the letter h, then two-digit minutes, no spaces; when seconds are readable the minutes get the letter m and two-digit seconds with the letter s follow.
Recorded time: 7h10m54s
